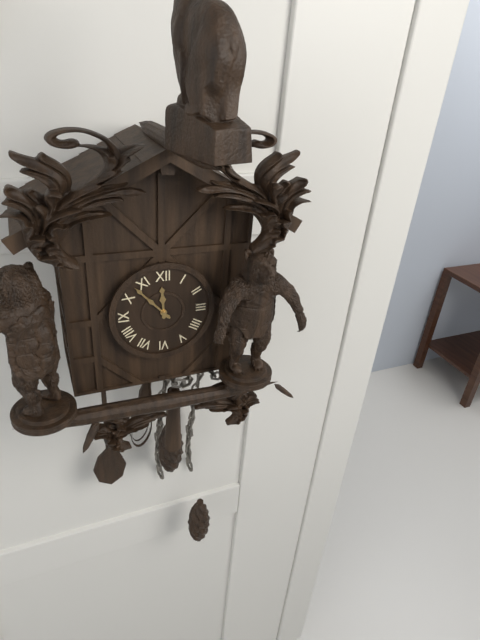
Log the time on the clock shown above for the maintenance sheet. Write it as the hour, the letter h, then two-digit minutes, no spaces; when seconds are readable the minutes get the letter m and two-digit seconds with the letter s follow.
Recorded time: 11h53
